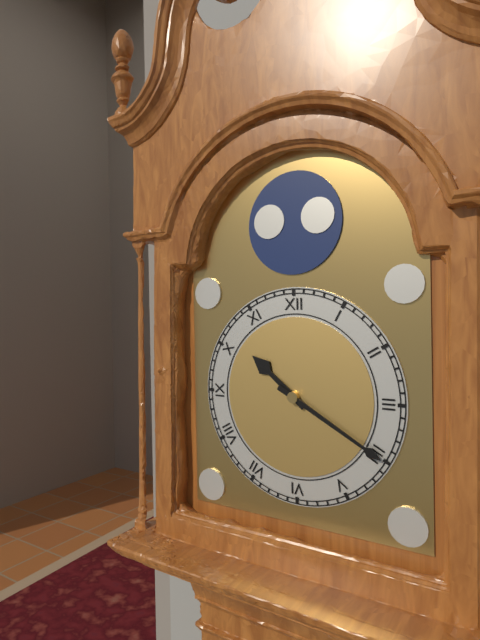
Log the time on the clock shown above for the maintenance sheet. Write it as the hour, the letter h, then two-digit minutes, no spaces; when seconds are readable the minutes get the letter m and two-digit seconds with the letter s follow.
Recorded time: 10h20
